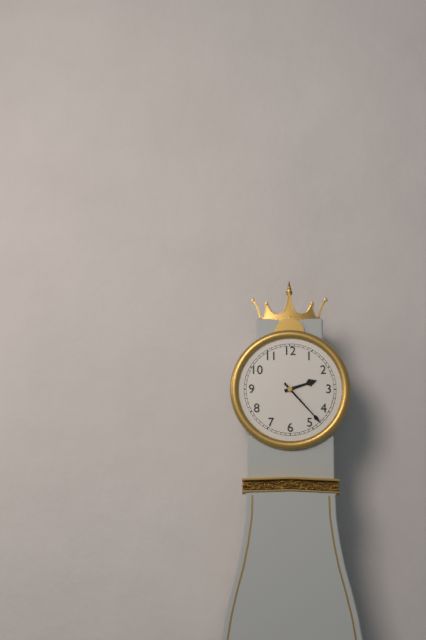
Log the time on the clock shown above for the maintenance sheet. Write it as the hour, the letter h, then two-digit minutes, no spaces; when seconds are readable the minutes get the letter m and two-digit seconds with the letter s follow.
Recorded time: 2h23
